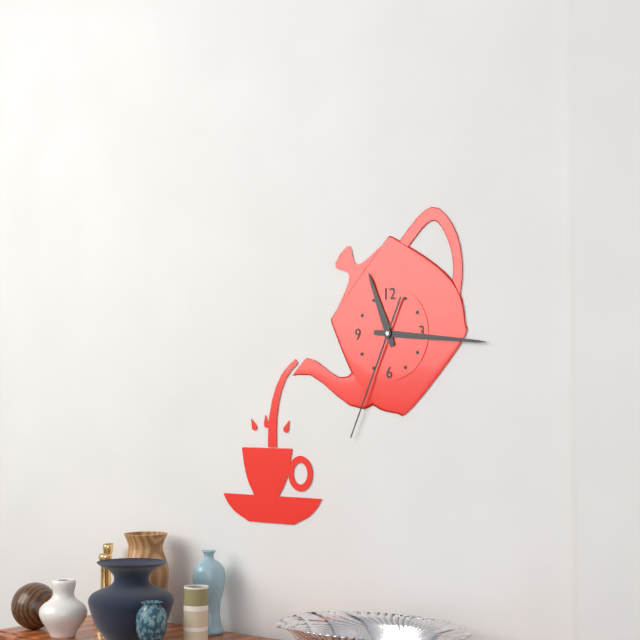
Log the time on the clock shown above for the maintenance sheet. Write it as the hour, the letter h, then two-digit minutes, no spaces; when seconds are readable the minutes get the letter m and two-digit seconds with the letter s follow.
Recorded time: 11h16m34s
